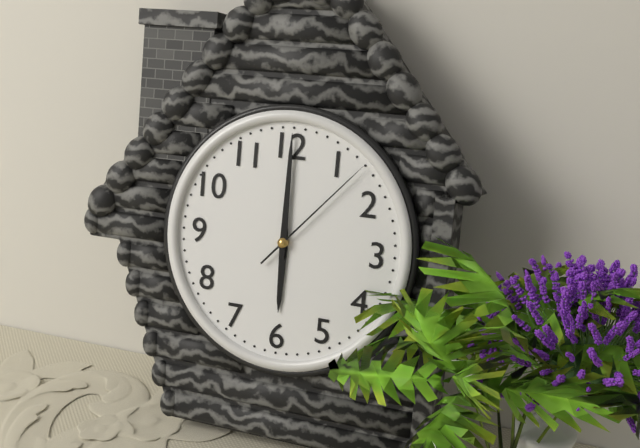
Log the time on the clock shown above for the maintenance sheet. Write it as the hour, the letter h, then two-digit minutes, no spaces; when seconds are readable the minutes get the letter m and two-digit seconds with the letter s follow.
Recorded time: 6h00m07s
